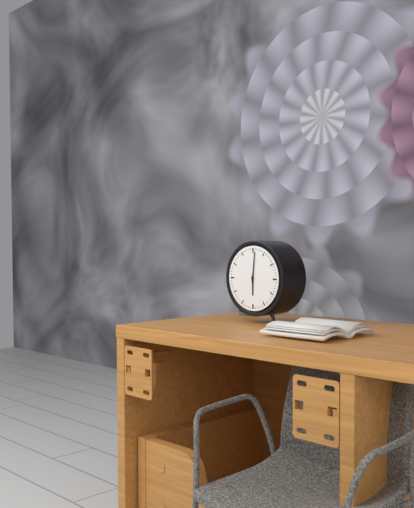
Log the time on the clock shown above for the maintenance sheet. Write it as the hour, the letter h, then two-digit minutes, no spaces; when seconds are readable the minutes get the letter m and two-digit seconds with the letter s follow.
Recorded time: 6h01
